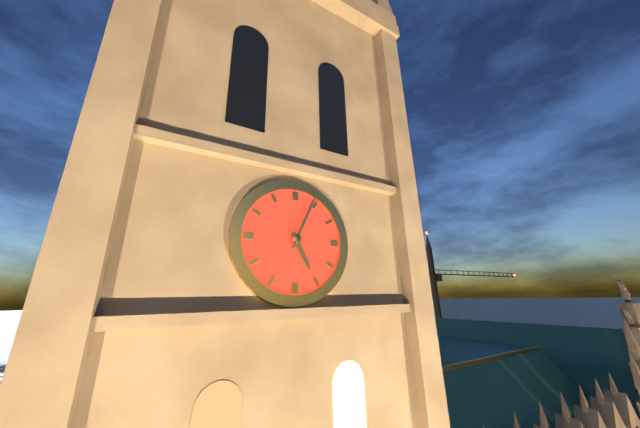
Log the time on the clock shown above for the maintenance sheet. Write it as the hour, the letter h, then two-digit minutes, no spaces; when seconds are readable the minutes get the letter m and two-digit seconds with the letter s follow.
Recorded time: 5h04
